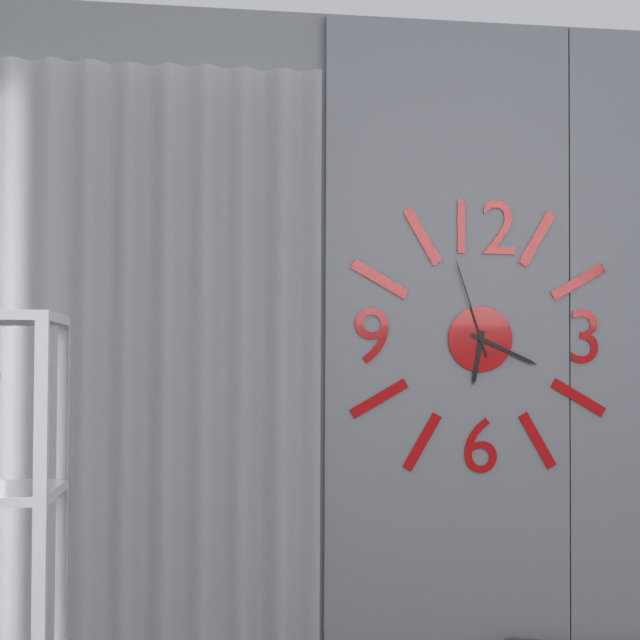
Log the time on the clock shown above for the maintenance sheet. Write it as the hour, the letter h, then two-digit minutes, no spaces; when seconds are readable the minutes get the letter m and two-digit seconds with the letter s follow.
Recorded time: 6h19m57s
